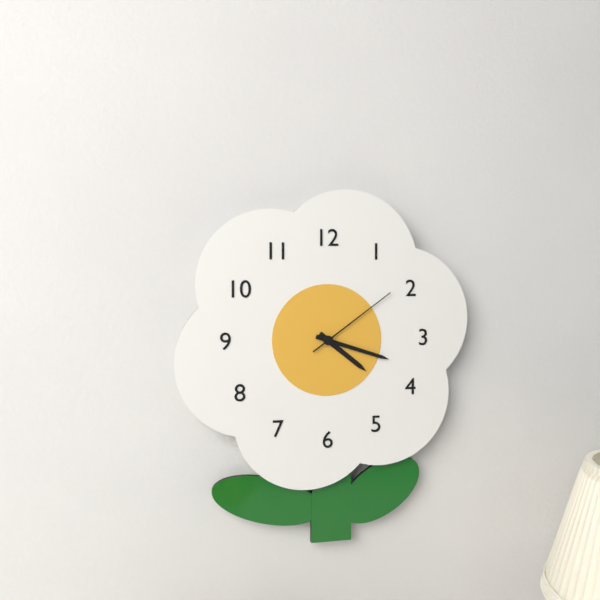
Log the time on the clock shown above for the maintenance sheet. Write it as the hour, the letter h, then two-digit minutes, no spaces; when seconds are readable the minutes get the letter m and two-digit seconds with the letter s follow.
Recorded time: 4h18m09s
